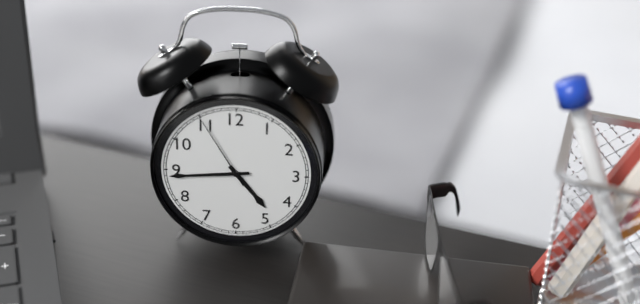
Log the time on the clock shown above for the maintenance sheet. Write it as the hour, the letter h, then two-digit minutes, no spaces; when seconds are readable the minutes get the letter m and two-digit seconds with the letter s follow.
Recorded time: 4h44m55s
